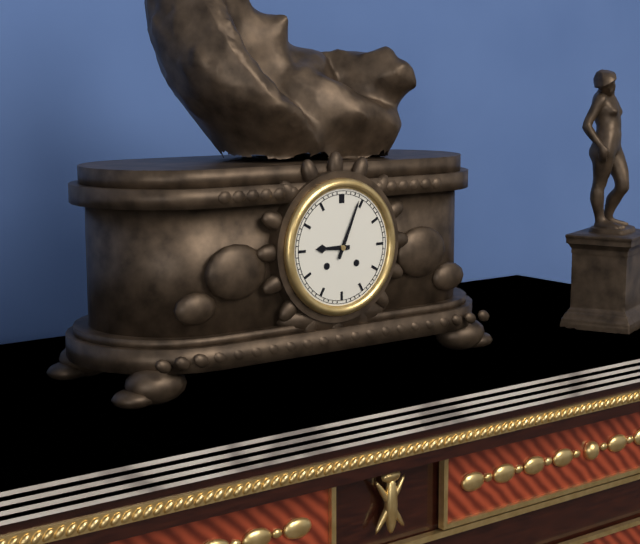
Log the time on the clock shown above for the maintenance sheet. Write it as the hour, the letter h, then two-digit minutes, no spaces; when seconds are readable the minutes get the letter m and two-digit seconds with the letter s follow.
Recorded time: 9h04
